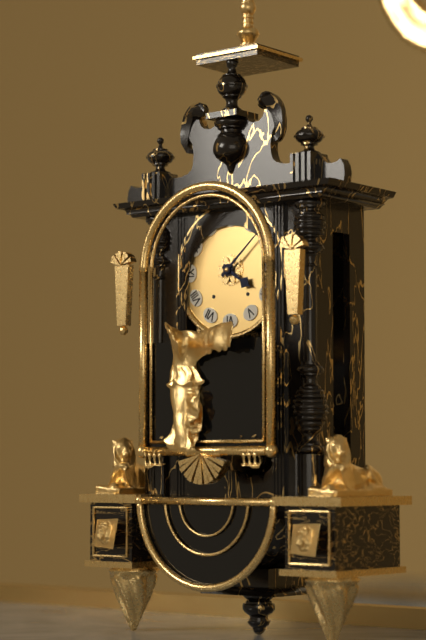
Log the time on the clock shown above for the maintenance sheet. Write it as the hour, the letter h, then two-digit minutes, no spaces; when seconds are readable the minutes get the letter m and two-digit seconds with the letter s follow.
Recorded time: 4h08
